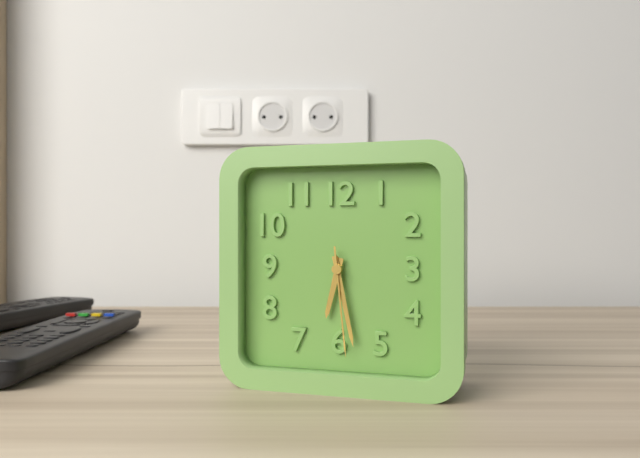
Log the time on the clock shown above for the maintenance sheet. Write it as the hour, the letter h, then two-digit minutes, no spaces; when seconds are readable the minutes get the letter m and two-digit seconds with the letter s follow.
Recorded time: 6h28m29s
